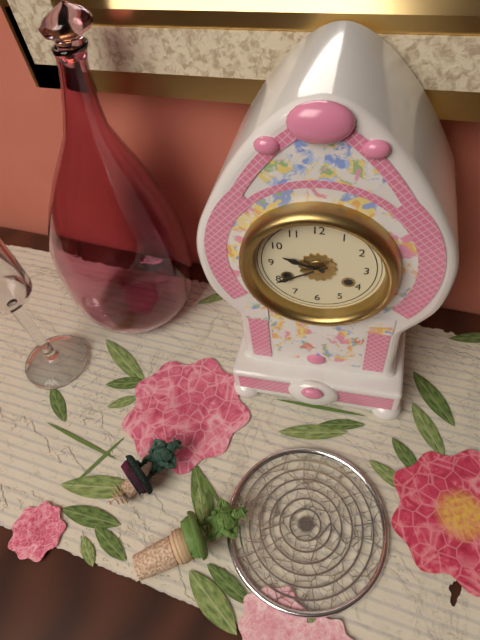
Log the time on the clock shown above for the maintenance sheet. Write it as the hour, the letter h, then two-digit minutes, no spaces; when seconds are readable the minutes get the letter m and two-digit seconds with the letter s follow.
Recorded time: 9h40
